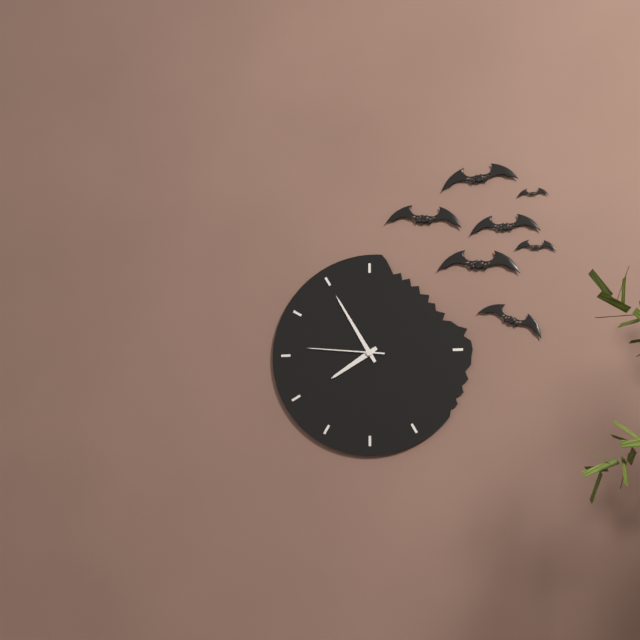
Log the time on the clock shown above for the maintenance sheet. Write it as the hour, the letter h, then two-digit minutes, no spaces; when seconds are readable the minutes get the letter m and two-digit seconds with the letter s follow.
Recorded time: 7h55m46s
